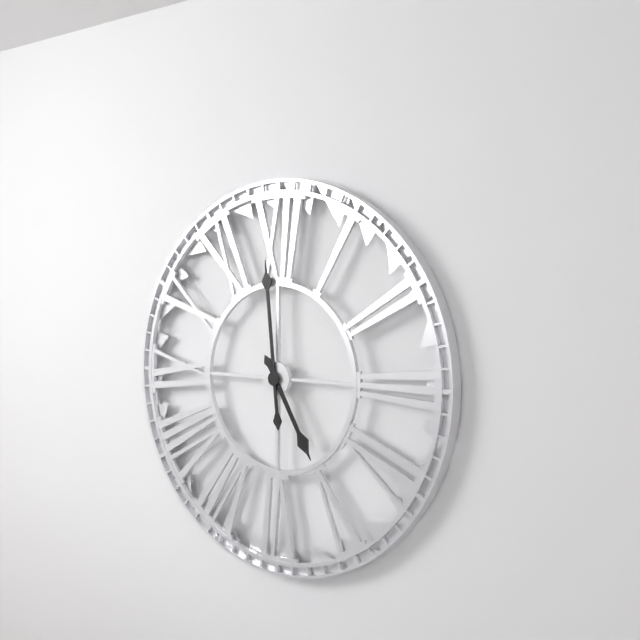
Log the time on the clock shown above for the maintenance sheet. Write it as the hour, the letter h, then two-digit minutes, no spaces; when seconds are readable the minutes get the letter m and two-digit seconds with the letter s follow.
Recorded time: 4h59
